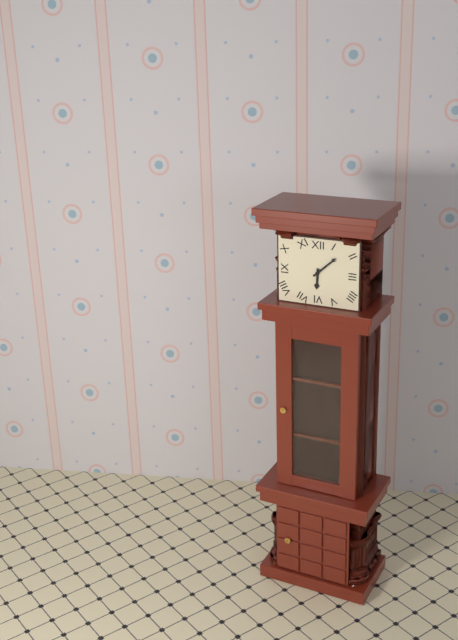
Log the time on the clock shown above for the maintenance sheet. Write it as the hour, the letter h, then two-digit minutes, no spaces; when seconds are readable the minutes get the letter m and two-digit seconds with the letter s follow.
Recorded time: 6h08
